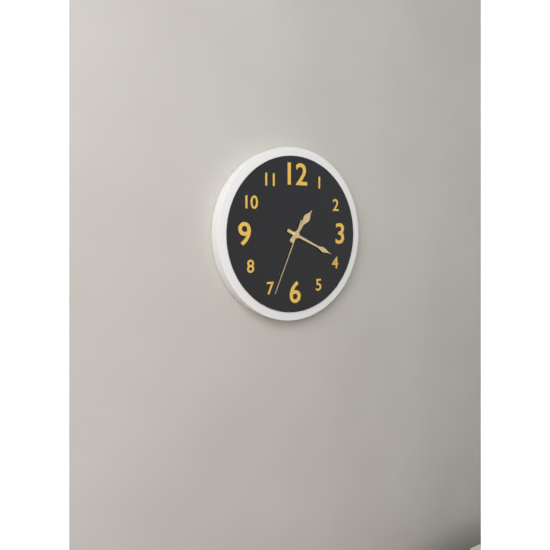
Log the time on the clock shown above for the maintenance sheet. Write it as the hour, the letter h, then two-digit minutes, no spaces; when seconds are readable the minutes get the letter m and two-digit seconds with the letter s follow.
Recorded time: 1h19m34s
